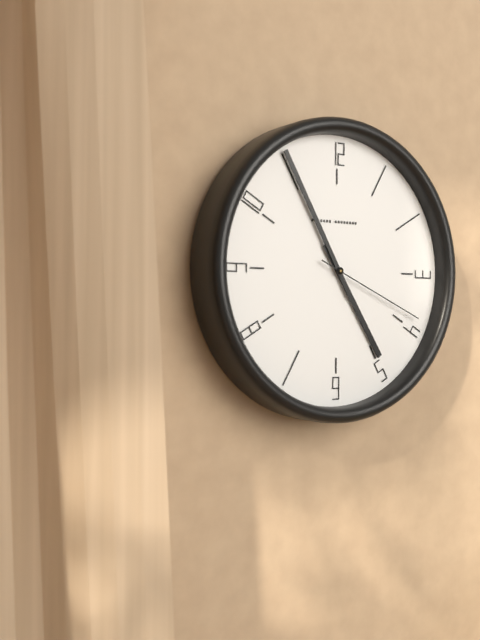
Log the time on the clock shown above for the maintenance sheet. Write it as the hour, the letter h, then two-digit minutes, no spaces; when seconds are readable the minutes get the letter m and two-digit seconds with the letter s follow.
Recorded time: 4h55m19s
